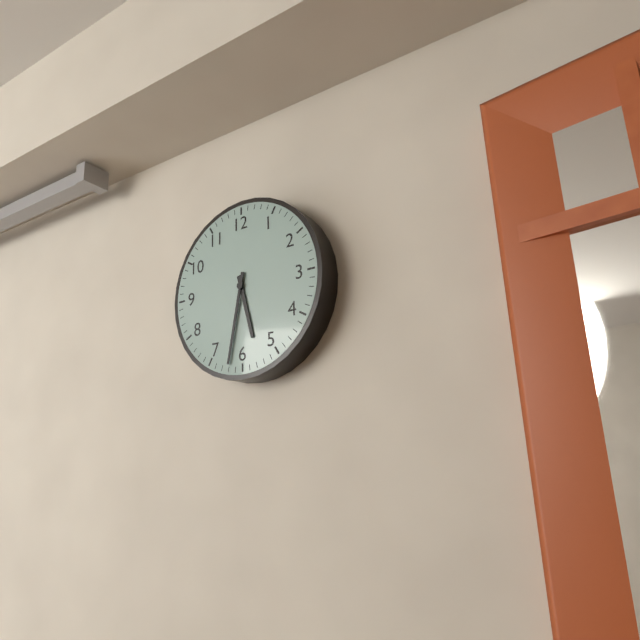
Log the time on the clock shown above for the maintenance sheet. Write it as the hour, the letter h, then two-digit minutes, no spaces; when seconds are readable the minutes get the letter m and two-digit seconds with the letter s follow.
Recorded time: 5h32
